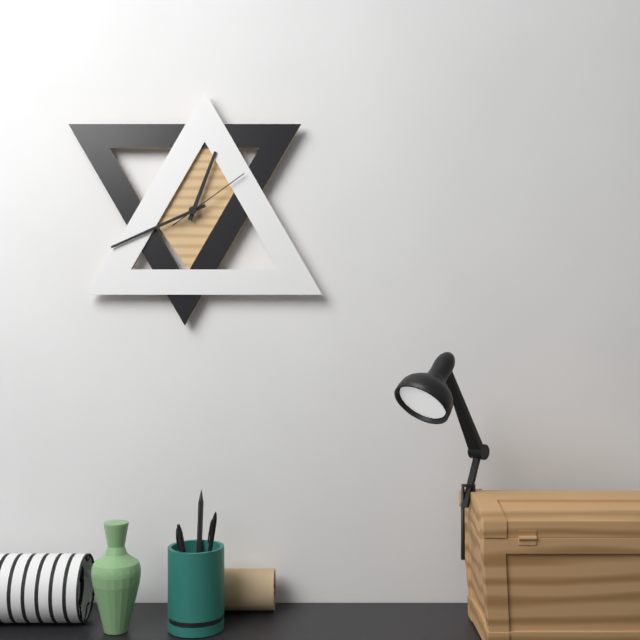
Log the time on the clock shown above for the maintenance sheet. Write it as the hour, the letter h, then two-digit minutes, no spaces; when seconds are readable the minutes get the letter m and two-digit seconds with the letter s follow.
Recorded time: 12h41m09s
